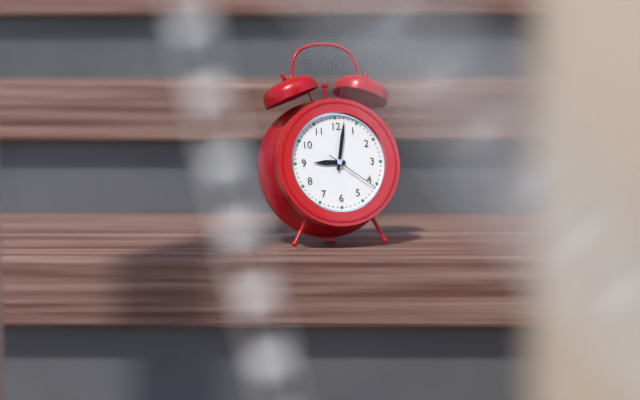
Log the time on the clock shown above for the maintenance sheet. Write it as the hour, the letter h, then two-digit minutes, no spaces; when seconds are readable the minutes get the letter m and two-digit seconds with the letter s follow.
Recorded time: 9h02m21s
